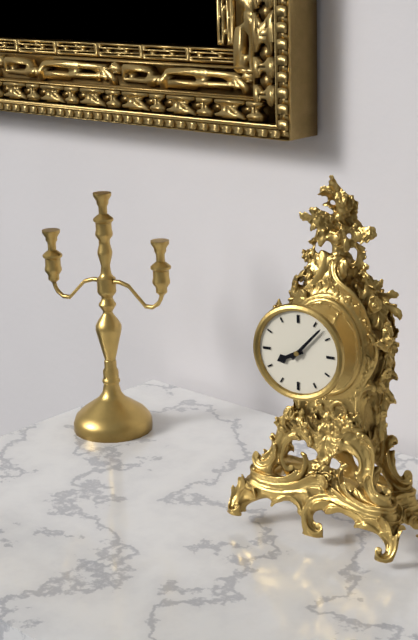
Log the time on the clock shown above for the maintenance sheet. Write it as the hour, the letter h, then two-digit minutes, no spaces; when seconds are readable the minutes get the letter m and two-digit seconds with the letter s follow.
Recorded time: 8h07
